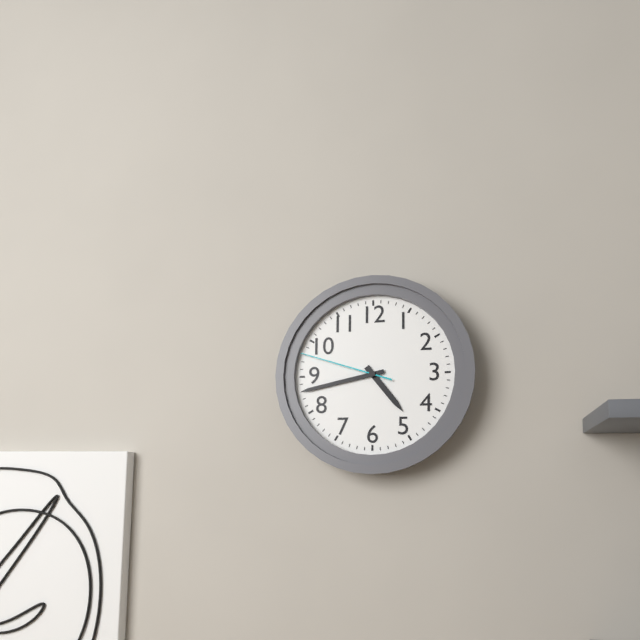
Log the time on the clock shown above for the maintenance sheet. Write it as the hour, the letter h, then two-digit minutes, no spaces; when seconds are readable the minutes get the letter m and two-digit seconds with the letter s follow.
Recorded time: 4h43m48s
